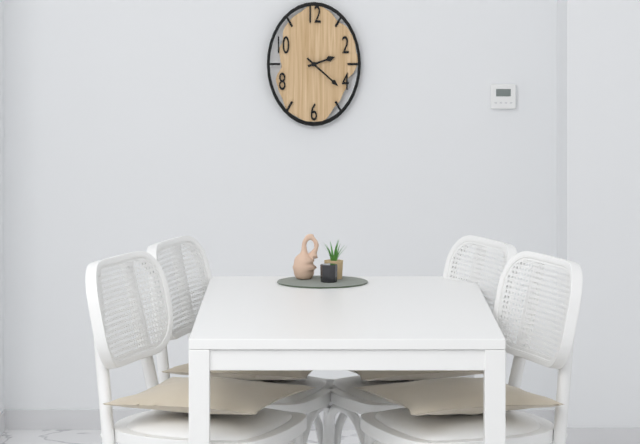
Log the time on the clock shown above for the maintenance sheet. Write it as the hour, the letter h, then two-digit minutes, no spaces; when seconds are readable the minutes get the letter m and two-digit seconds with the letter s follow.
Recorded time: 2h22
